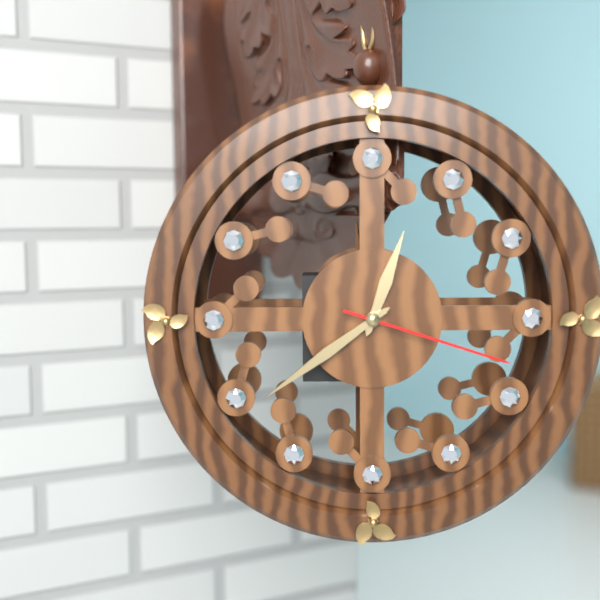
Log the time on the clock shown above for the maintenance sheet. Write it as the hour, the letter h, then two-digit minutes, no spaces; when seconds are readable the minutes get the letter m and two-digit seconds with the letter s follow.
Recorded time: 12h39m18s
